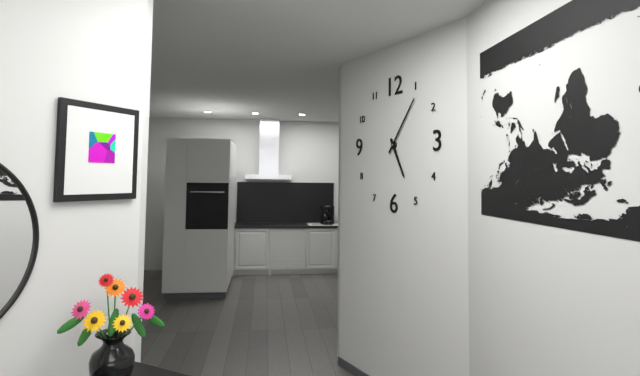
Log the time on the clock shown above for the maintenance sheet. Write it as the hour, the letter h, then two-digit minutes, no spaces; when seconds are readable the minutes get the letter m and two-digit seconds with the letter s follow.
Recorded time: 5h06
